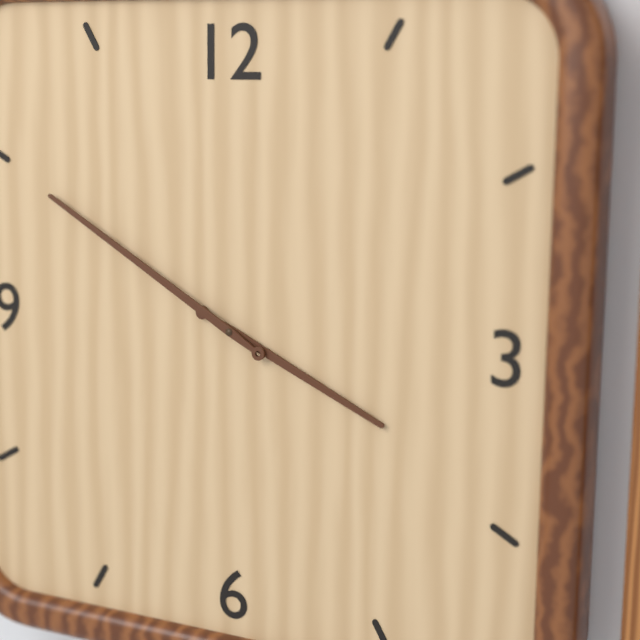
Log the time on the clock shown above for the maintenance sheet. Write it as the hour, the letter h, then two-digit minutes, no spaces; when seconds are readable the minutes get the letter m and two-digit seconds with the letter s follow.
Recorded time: 3h50
